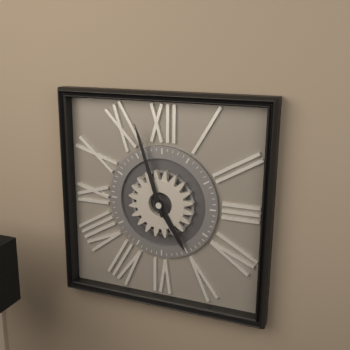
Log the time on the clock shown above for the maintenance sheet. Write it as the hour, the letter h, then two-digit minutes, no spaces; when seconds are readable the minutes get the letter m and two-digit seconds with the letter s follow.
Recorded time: 4h57
